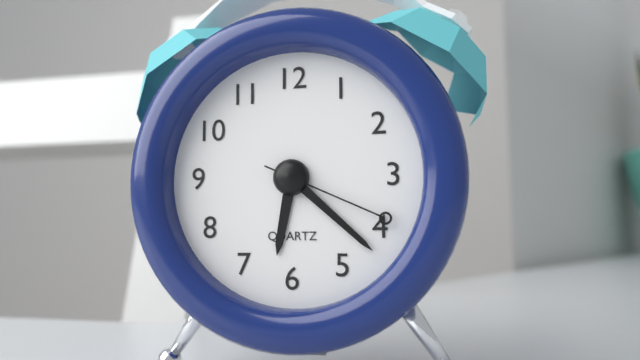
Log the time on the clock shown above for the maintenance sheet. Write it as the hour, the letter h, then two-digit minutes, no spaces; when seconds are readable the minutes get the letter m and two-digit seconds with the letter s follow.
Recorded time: 6h22m19s
